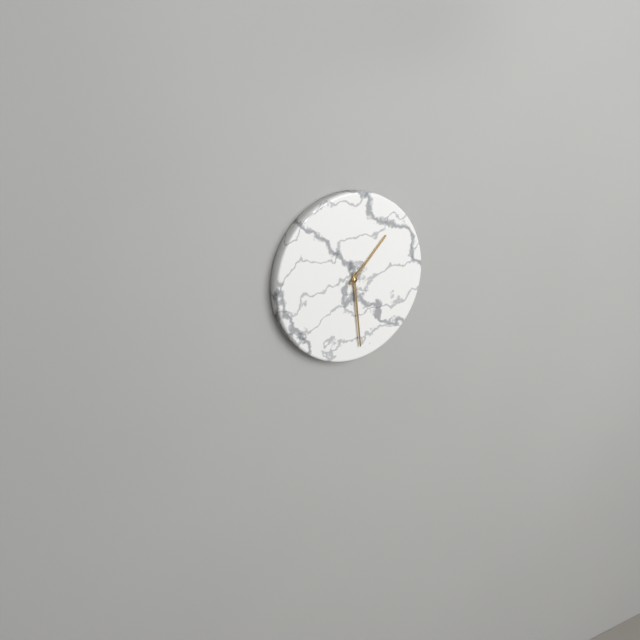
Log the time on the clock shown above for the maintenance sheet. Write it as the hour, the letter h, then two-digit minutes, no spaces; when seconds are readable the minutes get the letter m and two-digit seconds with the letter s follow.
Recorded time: 1h29
